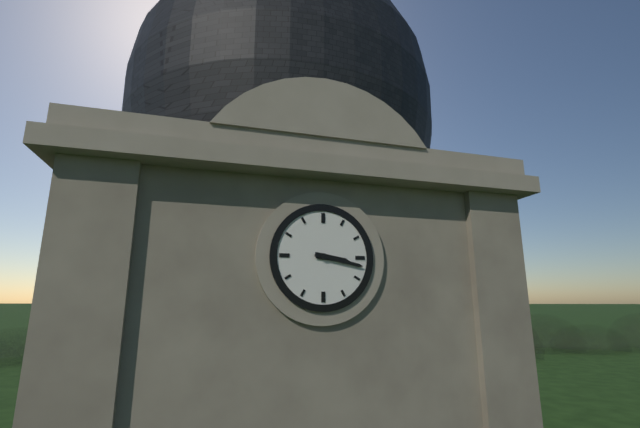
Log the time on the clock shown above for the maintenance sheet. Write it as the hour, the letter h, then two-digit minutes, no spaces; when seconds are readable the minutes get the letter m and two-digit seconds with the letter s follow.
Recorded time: 3h17
